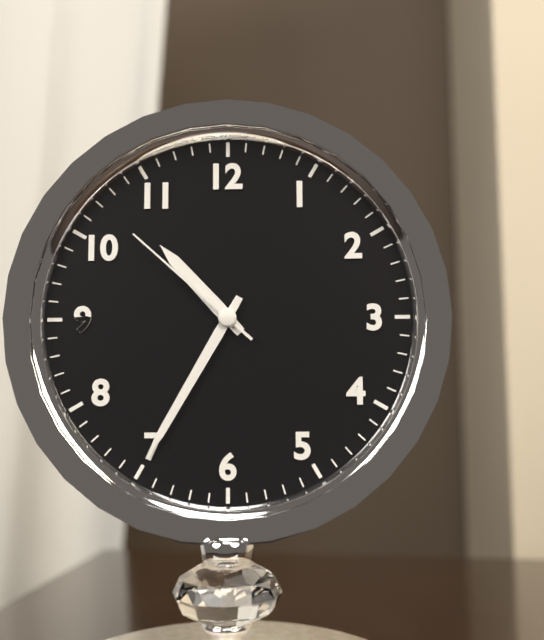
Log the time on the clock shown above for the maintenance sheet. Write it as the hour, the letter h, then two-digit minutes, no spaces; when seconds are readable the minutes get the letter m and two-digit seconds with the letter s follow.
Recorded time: 10h35m52s
